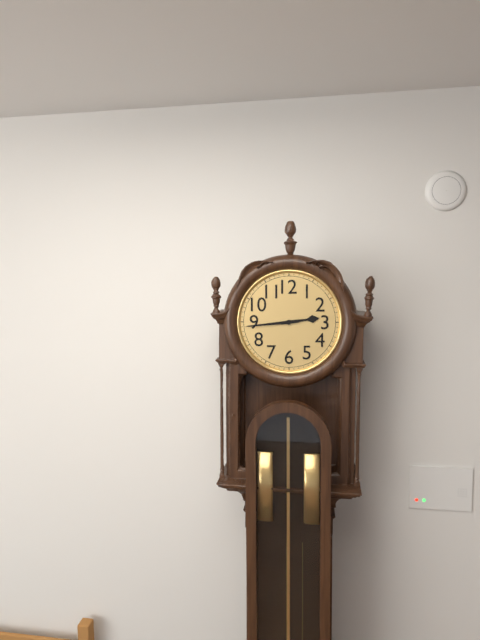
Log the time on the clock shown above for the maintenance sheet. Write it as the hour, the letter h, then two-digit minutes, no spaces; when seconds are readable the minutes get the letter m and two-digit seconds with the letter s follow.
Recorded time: 2h44
